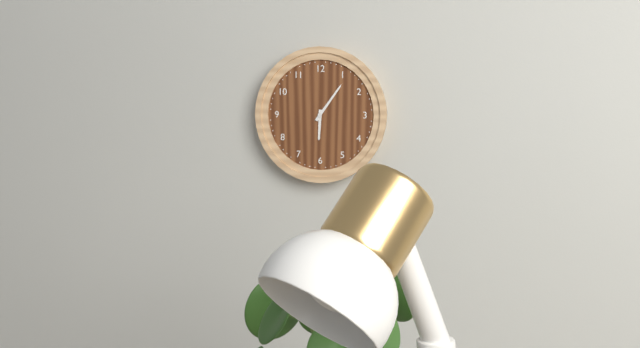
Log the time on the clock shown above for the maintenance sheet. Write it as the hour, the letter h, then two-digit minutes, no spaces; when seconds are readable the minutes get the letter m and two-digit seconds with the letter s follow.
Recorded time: 6h06
